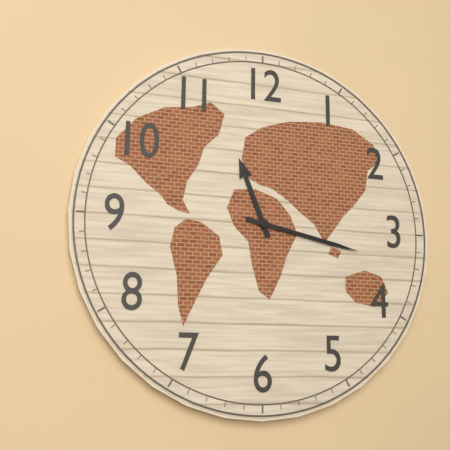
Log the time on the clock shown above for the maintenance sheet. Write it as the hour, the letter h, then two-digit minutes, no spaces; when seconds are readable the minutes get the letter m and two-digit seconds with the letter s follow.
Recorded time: 11h17
